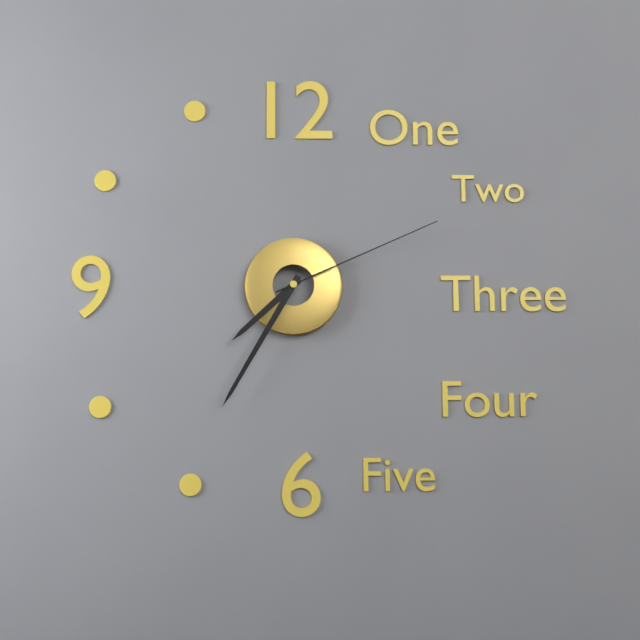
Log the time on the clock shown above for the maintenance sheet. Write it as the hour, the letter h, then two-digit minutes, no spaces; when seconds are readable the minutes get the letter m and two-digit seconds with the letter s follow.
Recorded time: 7h35m11s
